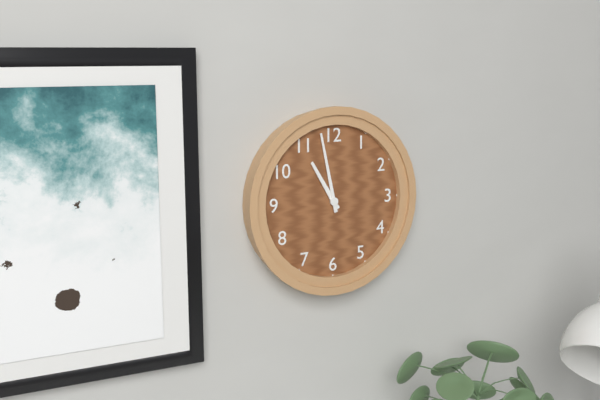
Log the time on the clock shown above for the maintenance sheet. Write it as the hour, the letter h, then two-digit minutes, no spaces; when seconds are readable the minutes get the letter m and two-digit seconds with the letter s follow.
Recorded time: 10h58
